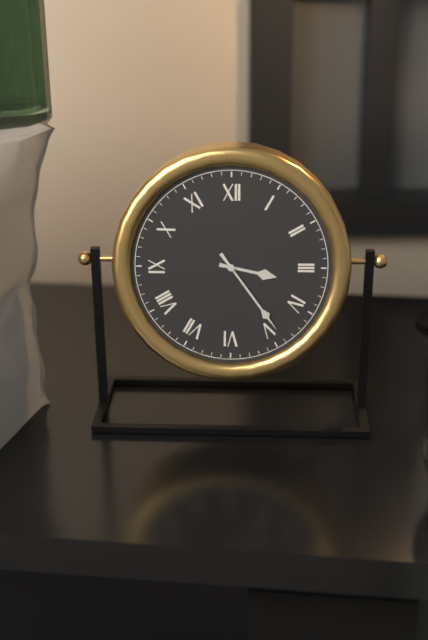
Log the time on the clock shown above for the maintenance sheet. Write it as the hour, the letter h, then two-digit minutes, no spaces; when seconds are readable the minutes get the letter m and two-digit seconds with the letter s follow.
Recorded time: 3h24
